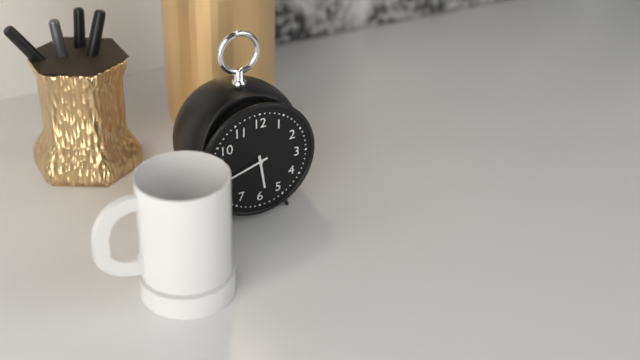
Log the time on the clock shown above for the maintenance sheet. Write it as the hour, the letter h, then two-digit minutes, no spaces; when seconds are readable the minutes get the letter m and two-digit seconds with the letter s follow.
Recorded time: 5h42
